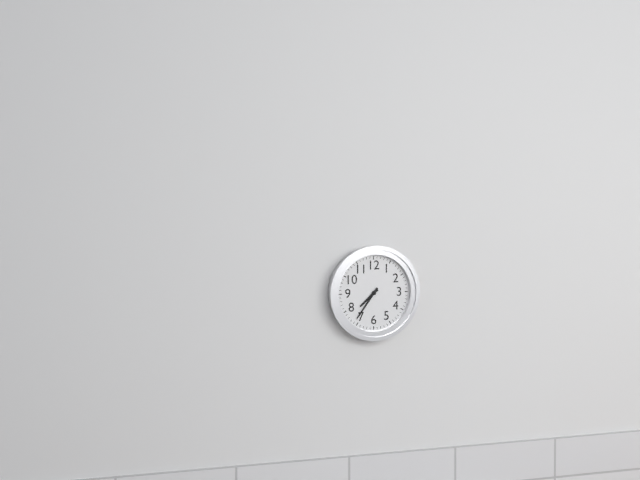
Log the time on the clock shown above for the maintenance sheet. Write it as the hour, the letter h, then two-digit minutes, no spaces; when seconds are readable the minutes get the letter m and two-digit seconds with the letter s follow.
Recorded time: 7h36
